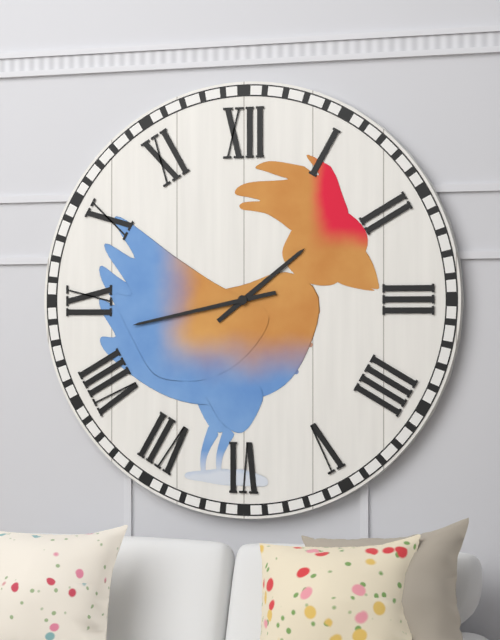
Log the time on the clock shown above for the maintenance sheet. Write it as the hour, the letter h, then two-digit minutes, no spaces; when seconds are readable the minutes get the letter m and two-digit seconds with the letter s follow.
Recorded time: 1h43
